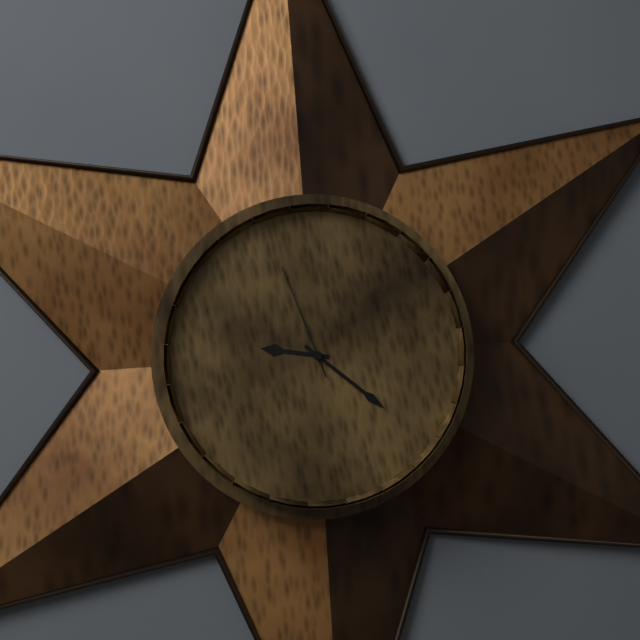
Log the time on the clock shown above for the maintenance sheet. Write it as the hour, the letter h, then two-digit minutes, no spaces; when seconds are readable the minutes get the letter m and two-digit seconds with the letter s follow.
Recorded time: 9h22m57s
